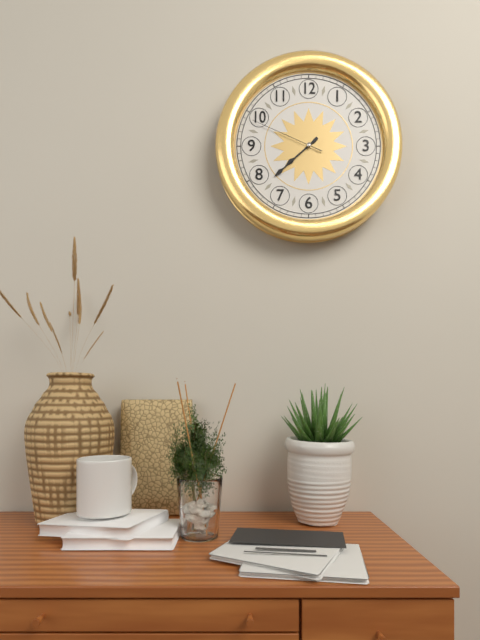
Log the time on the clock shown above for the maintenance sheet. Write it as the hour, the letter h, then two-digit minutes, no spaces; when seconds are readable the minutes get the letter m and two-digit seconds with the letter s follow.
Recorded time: 7h38m49s
